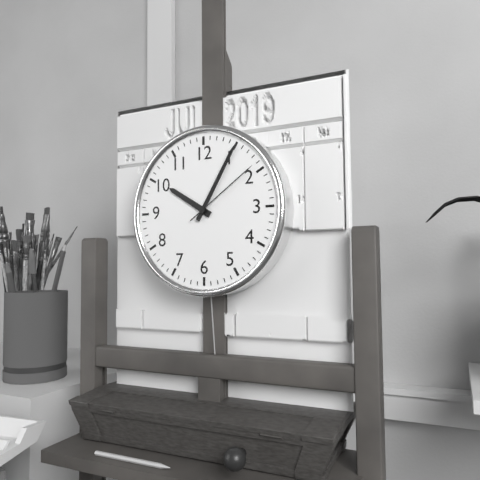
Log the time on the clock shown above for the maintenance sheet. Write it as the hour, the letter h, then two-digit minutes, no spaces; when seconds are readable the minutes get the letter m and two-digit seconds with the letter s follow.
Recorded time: 10h05m09s
